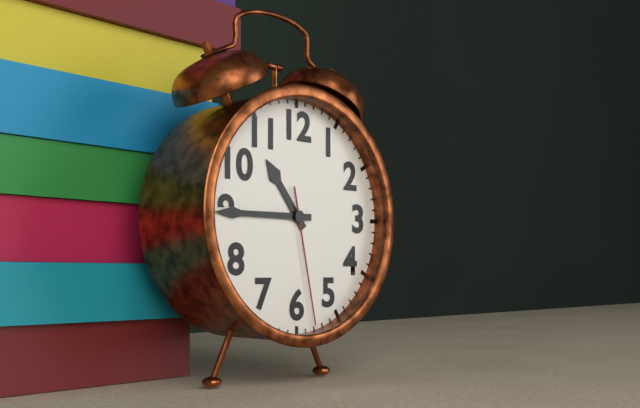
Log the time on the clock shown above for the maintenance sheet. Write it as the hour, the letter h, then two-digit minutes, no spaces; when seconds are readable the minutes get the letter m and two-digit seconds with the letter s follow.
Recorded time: 10h45m28s
